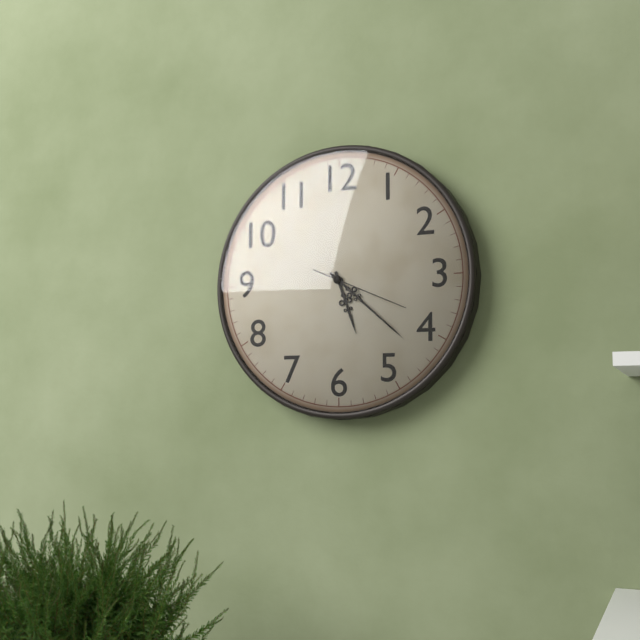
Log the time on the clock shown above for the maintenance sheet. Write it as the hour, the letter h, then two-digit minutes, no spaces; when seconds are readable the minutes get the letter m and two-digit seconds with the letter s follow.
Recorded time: 5h22m19s
